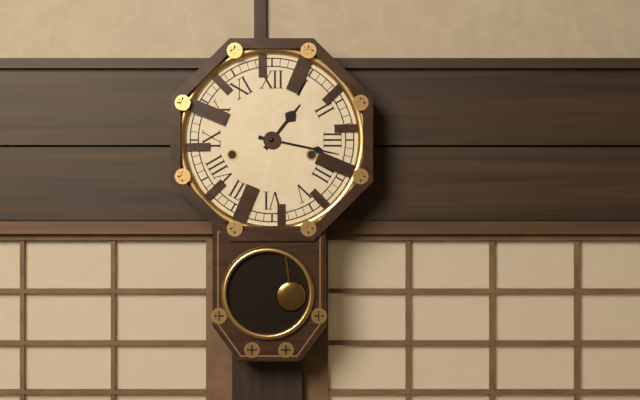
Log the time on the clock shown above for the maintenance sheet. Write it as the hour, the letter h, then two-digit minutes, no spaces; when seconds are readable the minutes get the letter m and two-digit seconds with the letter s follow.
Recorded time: 1h17
